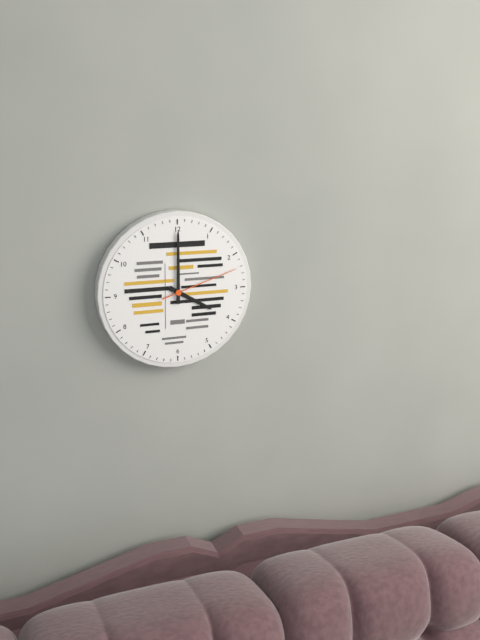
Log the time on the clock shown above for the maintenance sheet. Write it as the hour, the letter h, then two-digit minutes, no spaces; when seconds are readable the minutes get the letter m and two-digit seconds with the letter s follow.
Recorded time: 4h00m12s
